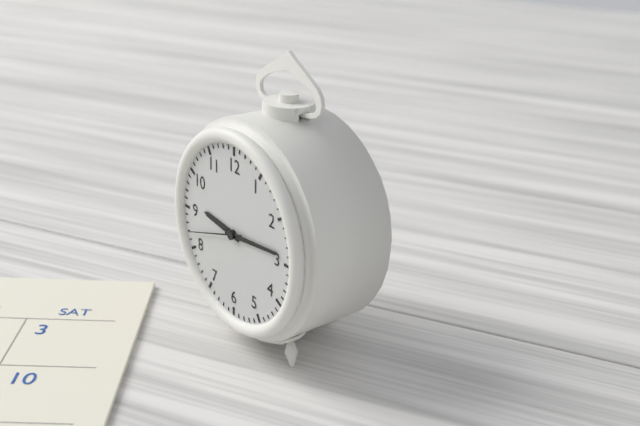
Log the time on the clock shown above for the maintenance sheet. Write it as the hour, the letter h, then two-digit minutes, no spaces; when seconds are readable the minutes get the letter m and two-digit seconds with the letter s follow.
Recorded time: 9h14m42s
